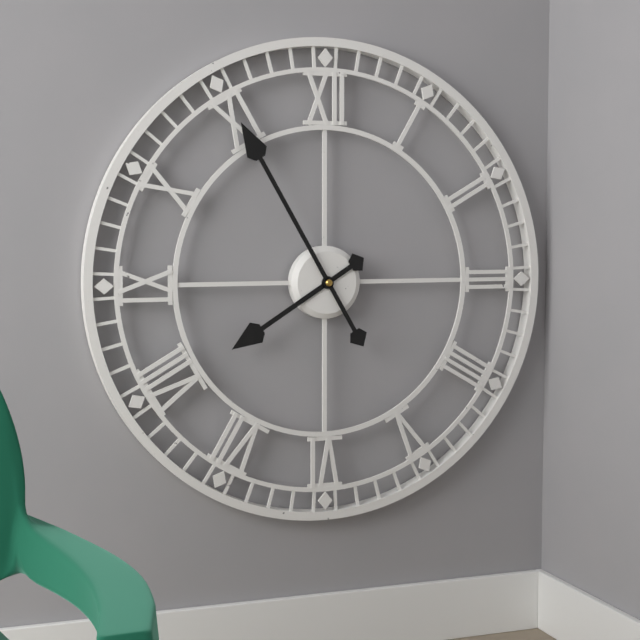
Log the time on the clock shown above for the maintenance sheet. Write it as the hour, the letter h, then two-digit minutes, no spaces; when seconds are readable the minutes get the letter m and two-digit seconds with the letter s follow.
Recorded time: 7h55
